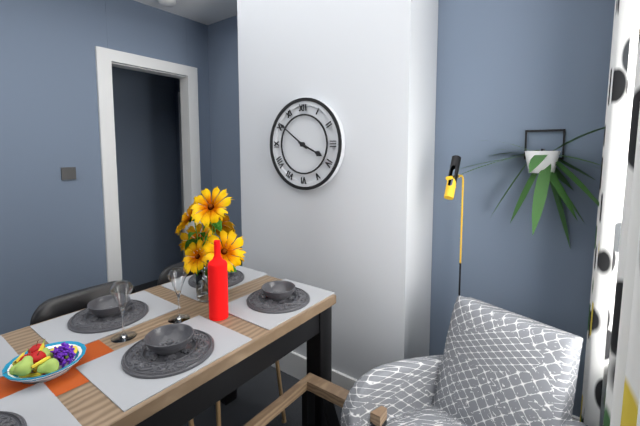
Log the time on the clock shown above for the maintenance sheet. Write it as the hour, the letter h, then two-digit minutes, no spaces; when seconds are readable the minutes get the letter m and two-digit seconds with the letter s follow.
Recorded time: 3h51
